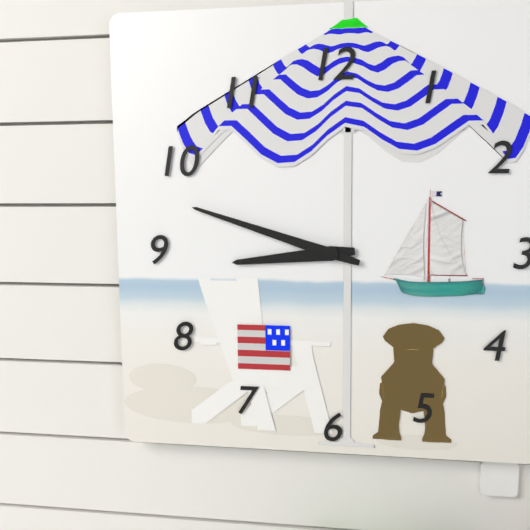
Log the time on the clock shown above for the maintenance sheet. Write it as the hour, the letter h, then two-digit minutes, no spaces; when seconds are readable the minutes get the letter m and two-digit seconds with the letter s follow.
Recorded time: 8h48
